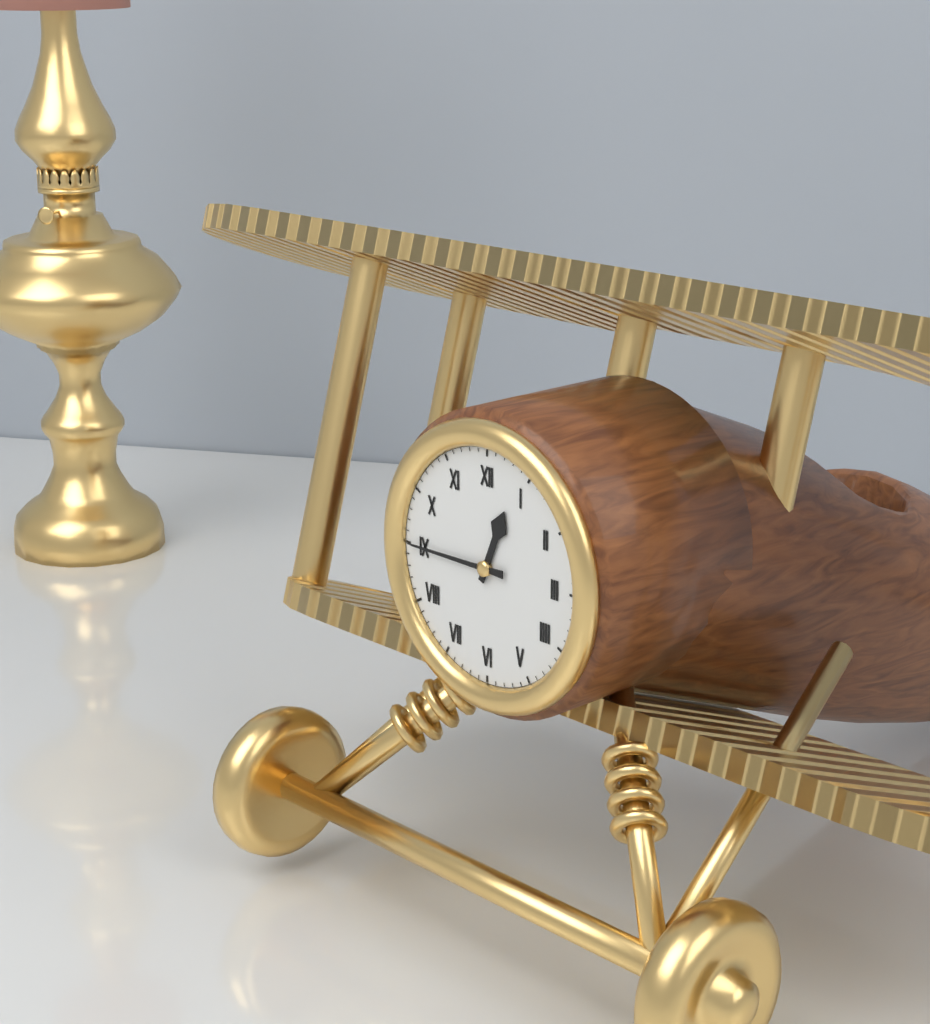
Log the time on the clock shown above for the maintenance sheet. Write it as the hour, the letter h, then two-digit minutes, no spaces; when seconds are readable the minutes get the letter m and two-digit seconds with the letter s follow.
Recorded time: 12h45
